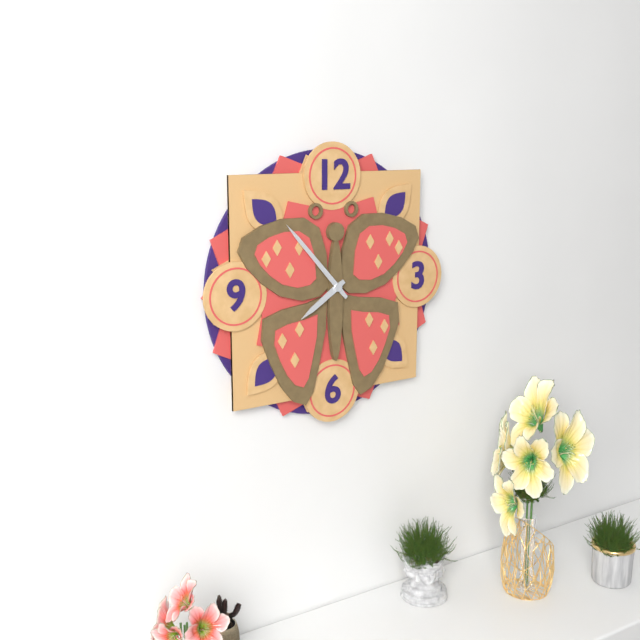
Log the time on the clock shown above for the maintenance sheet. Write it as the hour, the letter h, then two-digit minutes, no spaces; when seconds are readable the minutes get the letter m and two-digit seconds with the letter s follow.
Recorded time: 7h53
